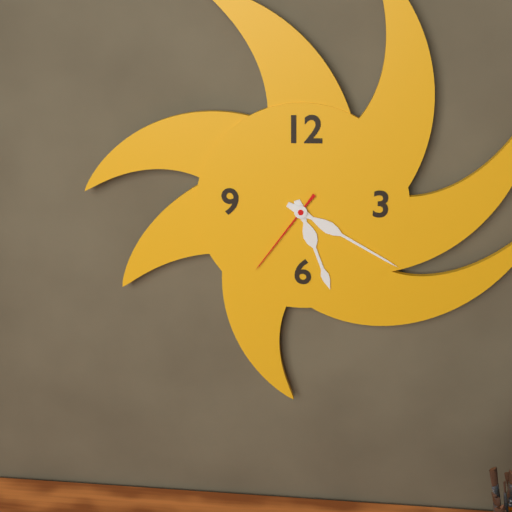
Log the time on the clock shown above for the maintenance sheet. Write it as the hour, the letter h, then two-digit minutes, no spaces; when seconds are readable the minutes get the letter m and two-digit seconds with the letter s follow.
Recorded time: 5h20m36s
